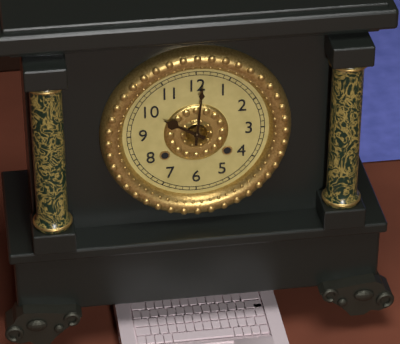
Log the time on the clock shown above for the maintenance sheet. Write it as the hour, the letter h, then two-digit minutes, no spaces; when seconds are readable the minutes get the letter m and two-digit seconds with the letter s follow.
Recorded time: 10h01
